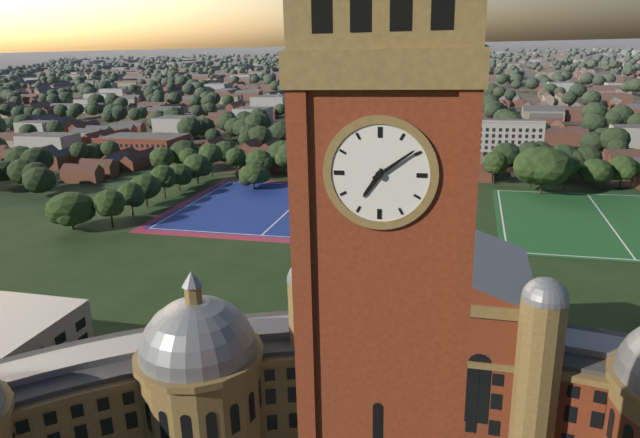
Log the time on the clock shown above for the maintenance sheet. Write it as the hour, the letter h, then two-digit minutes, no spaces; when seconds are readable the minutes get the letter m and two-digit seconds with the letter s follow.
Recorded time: 7h09
